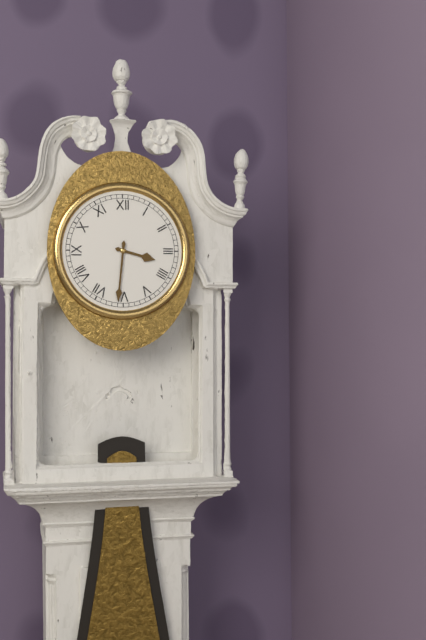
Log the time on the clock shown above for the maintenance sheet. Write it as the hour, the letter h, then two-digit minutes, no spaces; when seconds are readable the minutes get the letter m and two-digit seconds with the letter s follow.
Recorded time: 3h31
